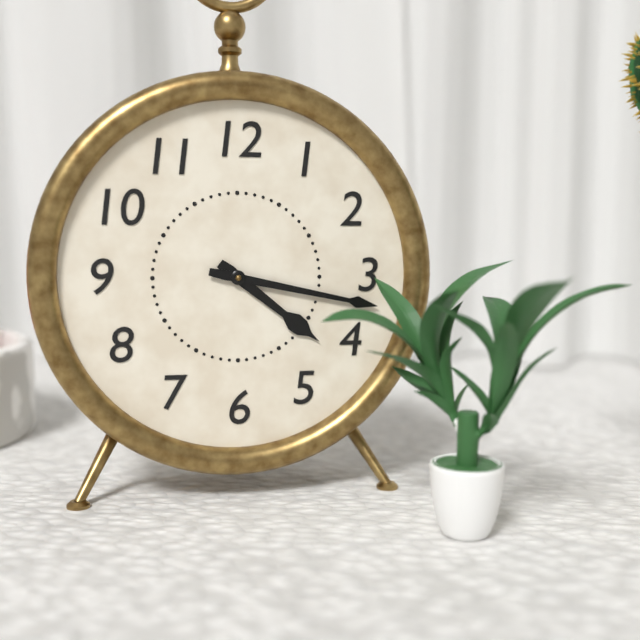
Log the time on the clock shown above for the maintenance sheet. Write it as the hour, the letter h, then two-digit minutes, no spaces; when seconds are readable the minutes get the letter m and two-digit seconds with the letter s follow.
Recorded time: 4h17
